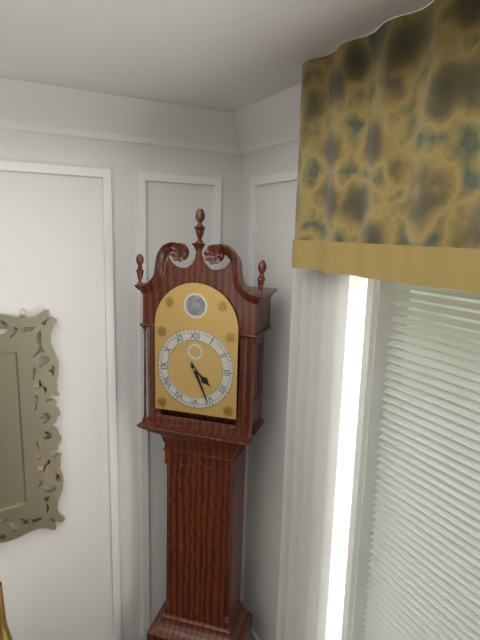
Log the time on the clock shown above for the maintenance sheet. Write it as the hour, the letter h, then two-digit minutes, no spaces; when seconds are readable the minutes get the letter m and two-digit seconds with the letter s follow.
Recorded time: 4h26
